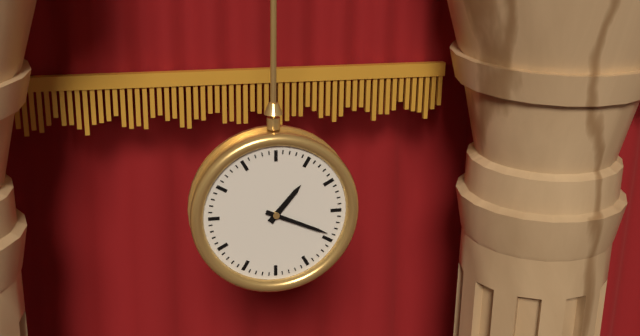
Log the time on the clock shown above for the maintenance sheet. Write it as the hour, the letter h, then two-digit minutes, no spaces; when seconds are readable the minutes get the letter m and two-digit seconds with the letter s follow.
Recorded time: 1h19
